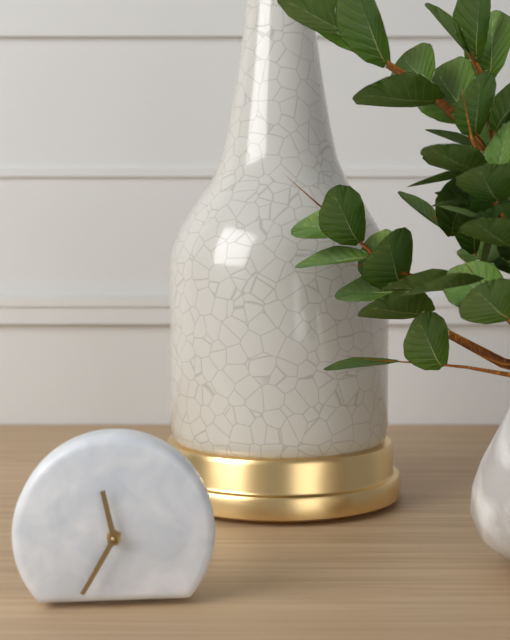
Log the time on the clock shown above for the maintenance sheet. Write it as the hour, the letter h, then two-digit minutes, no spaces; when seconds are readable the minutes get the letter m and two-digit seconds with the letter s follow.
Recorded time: 11h35
